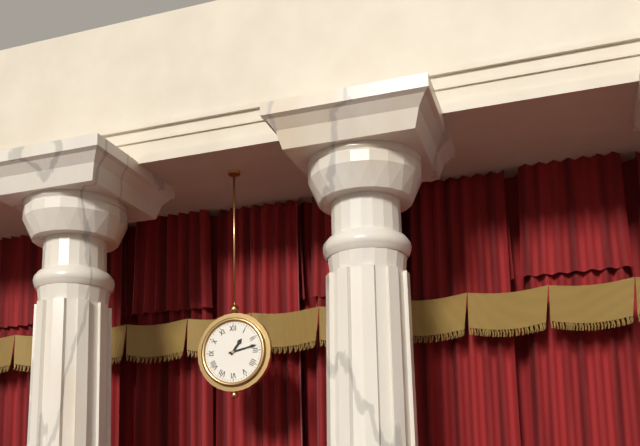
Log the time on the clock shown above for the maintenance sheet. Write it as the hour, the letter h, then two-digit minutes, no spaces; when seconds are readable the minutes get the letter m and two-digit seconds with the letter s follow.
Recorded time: 1h13
